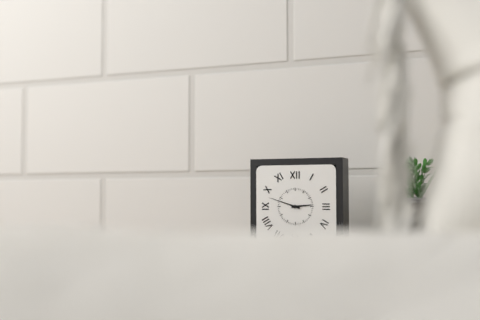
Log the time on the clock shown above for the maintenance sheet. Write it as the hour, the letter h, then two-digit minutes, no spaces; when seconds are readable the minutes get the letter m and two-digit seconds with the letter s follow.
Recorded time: 2h48
